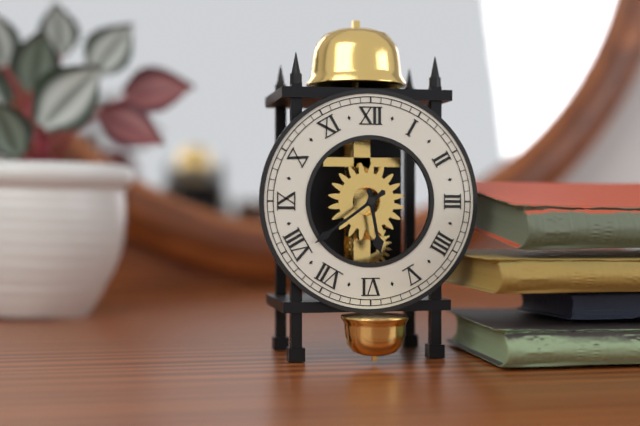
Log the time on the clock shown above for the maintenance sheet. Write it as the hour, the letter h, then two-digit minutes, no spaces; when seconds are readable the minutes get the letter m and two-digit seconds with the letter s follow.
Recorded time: 5h39
